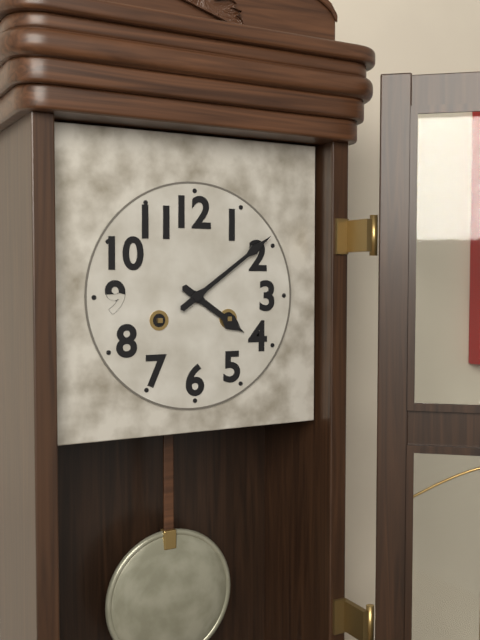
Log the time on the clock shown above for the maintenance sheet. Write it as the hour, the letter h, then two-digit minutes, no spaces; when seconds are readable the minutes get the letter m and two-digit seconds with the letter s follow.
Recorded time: 4h09
